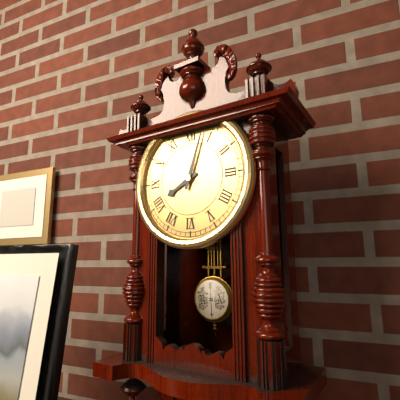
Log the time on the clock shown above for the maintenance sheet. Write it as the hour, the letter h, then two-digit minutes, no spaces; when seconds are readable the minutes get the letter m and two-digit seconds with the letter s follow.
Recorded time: 8h03
